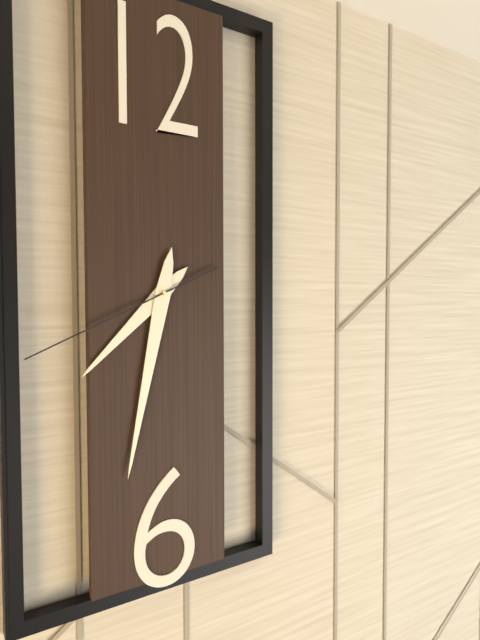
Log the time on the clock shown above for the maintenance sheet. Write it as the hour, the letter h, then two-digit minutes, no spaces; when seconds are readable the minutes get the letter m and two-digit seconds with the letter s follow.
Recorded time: 7h32m41s
